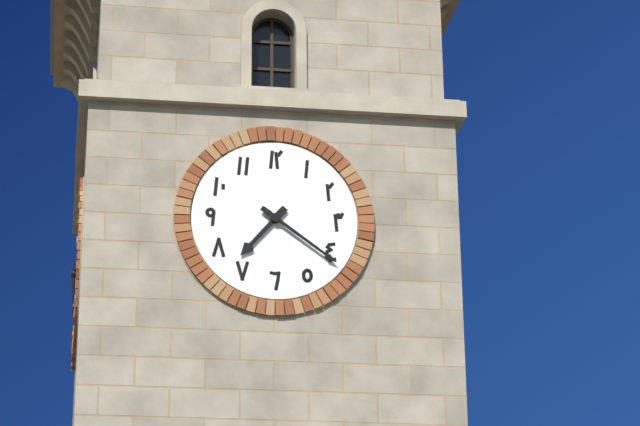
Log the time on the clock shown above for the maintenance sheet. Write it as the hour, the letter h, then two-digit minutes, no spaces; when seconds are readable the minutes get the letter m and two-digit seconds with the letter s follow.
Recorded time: 7h21
